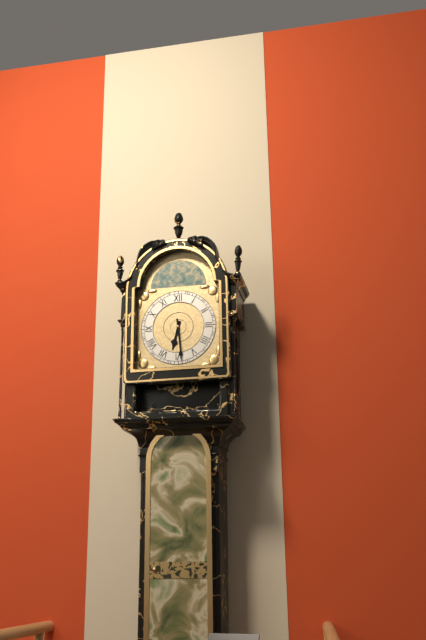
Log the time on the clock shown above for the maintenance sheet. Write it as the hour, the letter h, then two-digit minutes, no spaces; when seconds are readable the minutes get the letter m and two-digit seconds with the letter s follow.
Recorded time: 6h29
